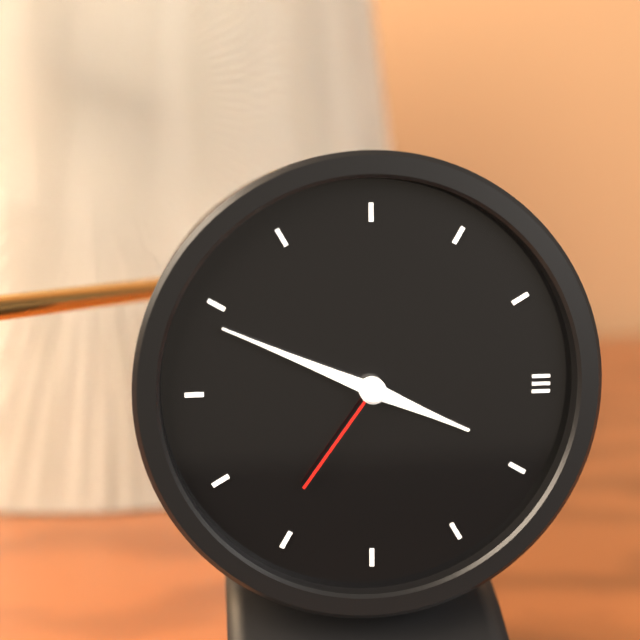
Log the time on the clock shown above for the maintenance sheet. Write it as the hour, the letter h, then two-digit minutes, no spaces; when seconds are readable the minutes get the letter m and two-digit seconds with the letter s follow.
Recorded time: 3h49m36s
